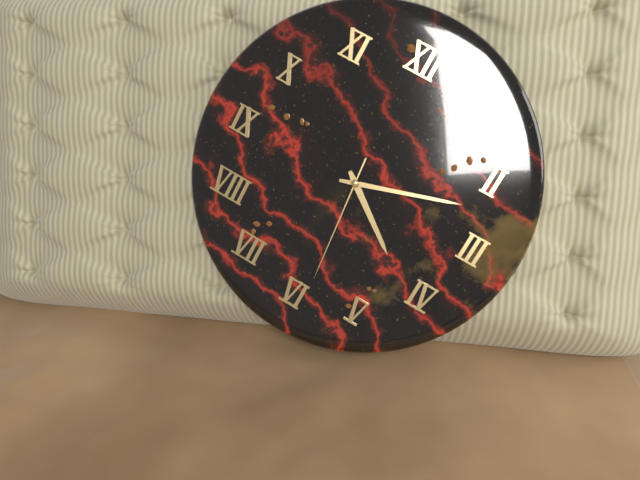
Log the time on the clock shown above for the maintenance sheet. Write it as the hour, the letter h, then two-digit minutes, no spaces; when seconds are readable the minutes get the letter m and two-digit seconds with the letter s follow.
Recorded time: 4h12m29s
